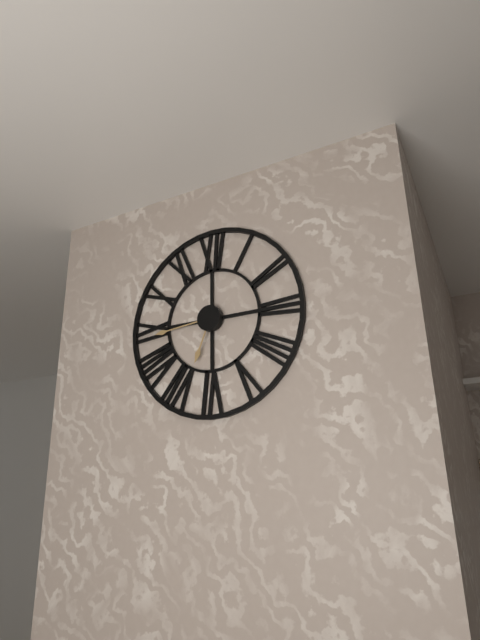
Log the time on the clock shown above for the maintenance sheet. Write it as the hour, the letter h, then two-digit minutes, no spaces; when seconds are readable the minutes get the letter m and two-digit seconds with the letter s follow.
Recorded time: 6h44
